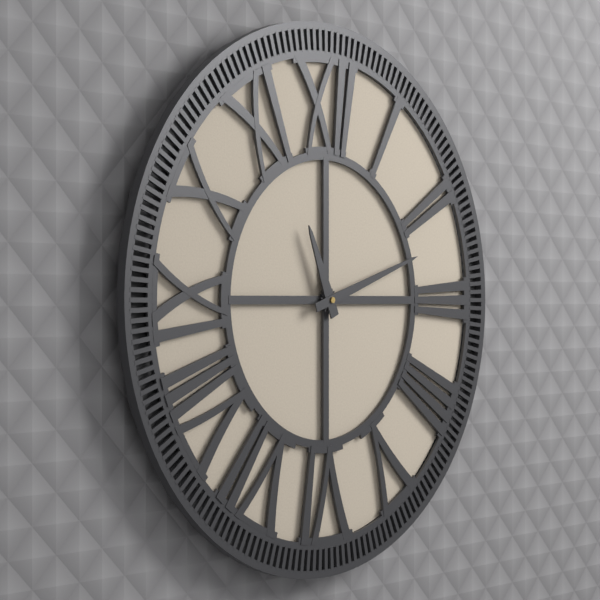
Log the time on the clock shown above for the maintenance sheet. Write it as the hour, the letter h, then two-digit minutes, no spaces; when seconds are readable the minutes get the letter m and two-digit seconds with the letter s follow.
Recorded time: 11h12
